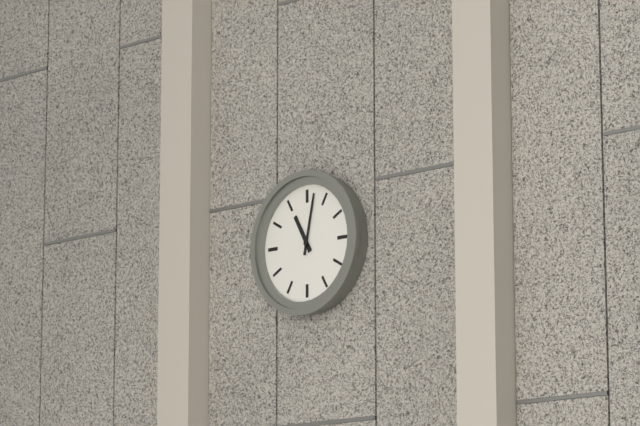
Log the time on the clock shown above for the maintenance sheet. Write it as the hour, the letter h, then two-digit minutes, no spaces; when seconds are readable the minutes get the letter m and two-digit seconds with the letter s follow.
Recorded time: 11h02
